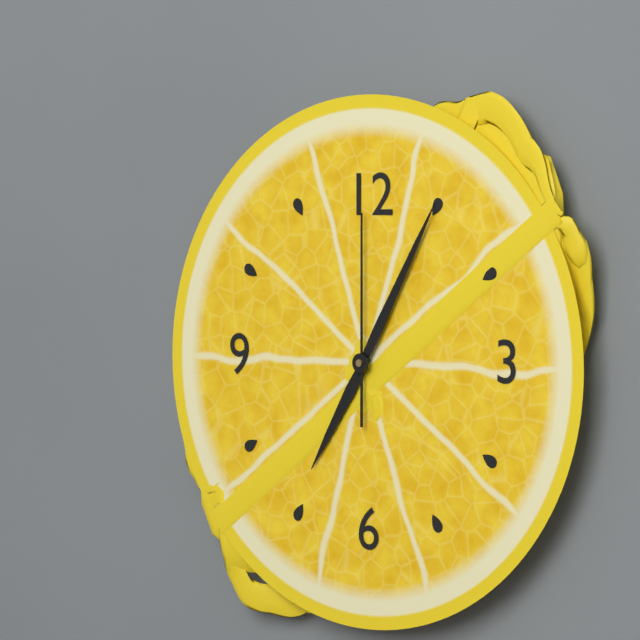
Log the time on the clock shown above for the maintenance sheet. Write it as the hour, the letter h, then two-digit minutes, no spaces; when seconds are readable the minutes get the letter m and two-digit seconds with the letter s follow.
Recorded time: 7h05m00s
